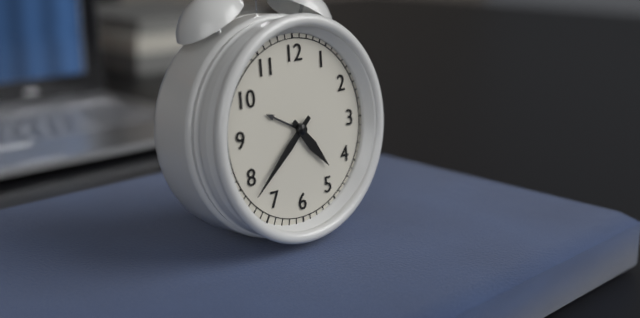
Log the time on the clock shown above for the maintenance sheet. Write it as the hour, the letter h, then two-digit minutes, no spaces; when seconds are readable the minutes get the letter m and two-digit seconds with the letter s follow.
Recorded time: 4h38
